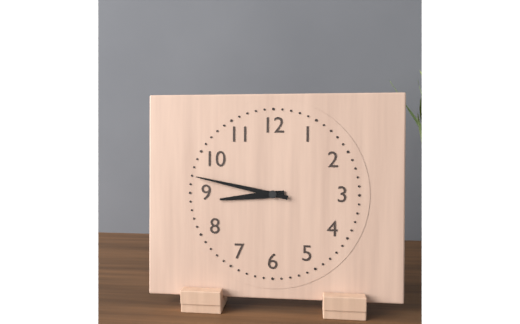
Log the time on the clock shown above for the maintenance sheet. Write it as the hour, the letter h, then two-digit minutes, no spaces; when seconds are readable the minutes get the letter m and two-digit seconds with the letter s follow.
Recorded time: 8h47
